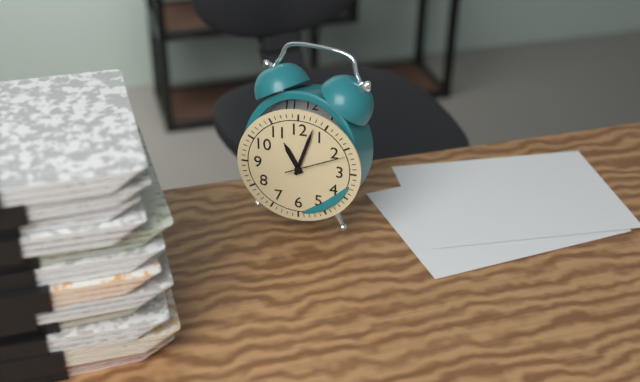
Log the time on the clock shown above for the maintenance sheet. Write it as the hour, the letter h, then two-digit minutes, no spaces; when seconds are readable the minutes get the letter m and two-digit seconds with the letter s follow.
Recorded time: 11h03m11s
